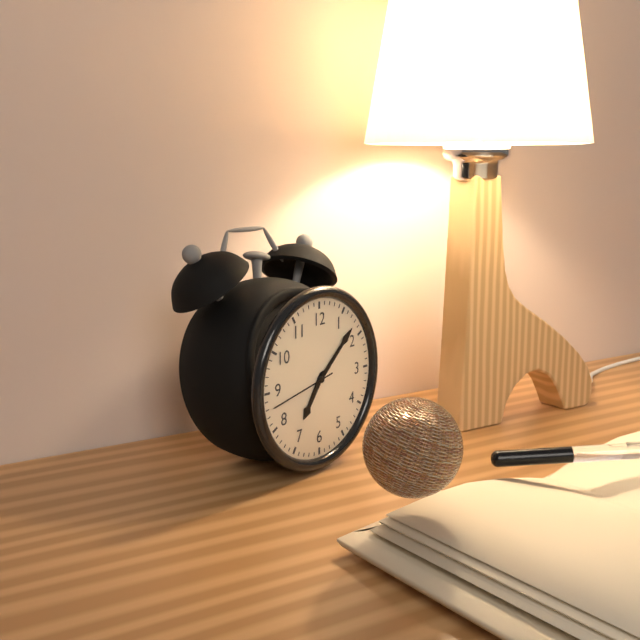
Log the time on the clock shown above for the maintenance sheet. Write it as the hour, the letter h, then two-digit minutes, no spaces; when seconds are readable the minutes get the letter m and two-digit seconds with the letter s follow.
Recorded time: 7h08m43s
